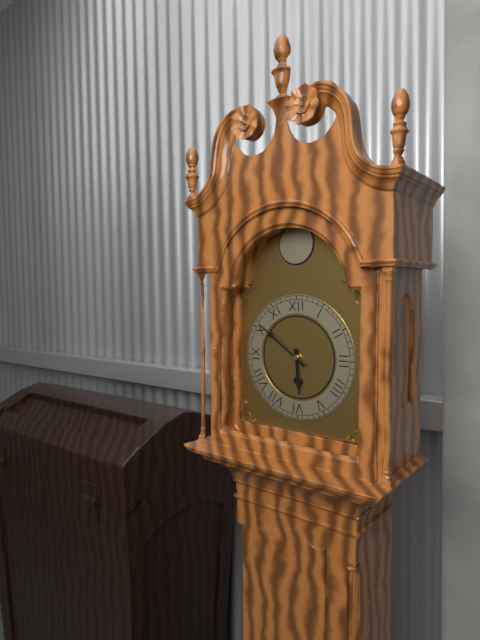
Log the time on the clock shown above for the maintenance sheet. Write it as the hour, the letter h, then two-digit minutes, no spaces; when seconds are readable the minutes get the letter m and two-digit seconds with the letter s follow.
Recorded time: 5h51
